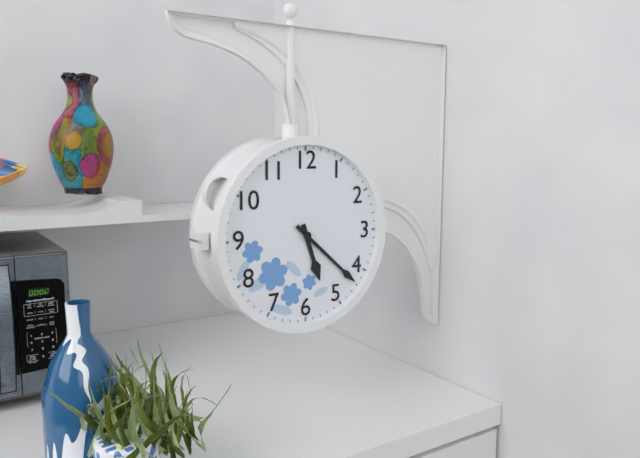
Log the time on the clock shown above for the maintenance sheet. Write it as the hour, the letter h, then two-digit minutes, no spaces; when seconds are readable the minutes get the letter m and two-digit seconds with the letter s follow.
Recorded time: 5h22
